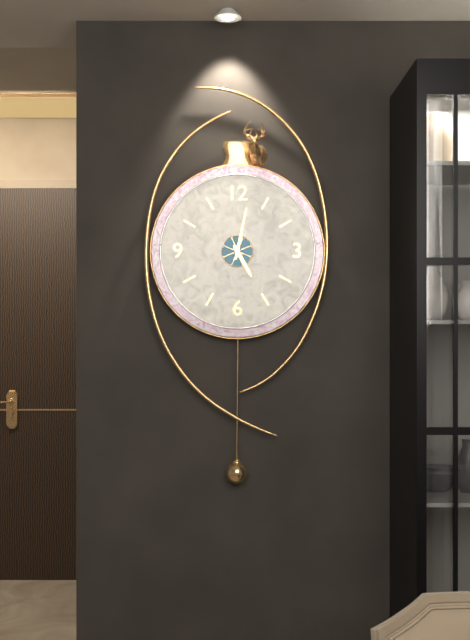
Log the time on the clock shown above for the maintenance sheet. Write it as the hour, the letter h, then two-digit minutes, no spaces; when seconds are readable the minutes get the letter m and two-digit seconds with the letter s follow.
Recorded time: 5h02
